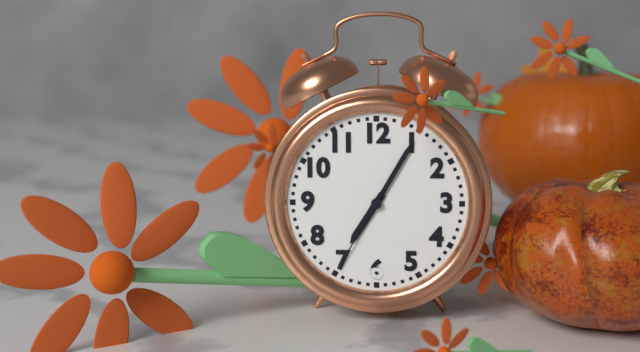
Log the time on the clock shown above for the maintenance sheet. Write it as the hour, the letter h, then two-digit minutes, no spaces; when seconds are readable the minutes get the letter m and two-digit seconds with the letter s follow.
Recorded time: 7h05m35s
